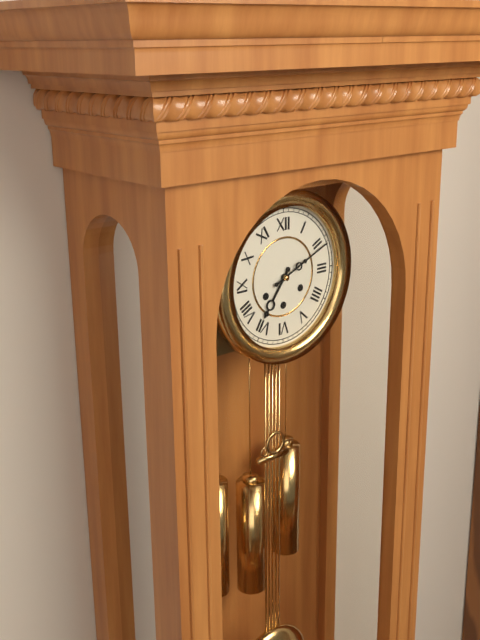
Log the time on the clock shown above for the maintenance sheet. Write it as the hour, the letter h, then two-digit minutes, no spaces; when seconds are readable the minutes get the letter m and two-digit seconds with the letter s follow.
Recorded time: 7h11
